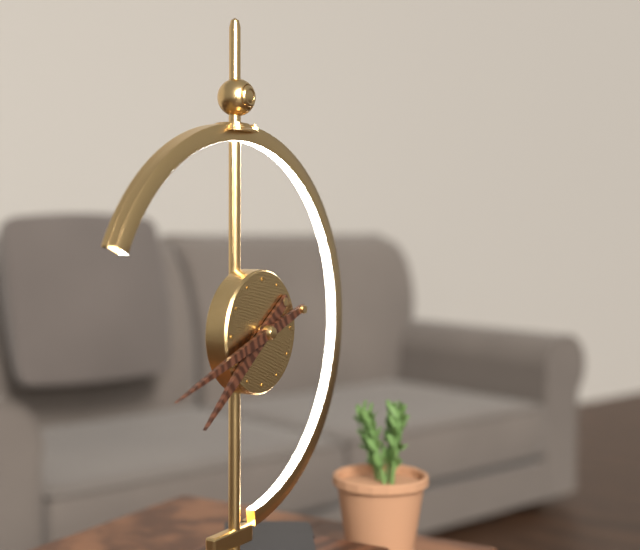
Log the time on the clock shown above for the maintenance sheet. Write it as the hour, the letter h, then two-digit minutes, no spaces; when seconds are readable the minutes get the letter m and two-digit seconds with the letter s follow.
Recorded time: 7h42
